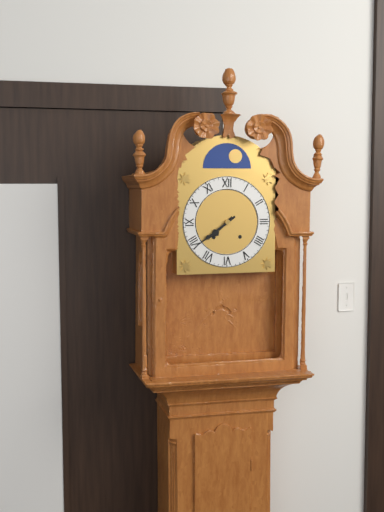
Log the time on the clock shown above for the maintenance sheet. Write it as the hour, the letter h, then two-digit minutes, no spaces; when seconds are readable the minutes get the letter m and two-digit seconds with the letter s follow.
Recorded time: 7h39
